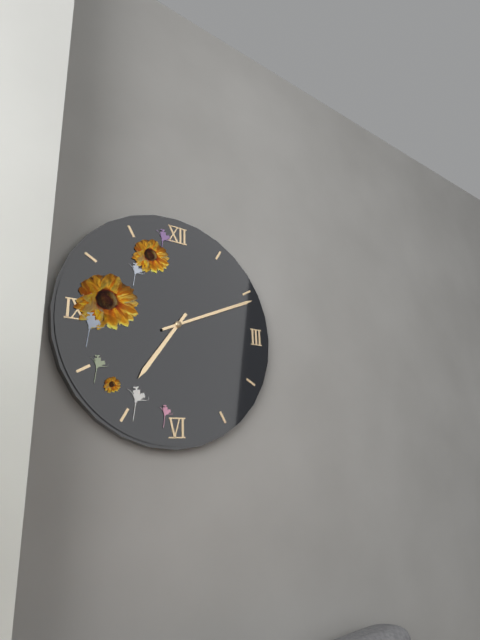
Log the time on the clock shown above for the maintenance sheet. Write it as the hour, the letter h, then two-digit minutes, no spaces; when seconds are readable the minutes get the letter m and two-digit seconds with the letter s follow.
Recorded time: 7h11
